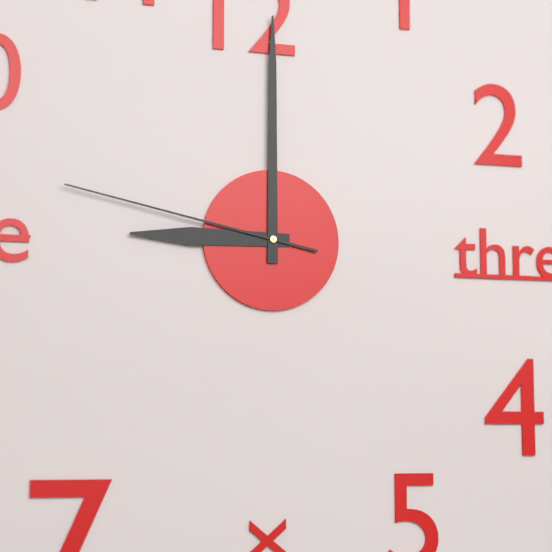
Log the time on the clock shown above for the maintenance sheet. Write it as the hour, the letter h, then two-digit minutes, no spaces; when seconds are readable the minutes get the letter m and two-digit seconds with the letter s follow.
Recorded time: 9h00m47s
